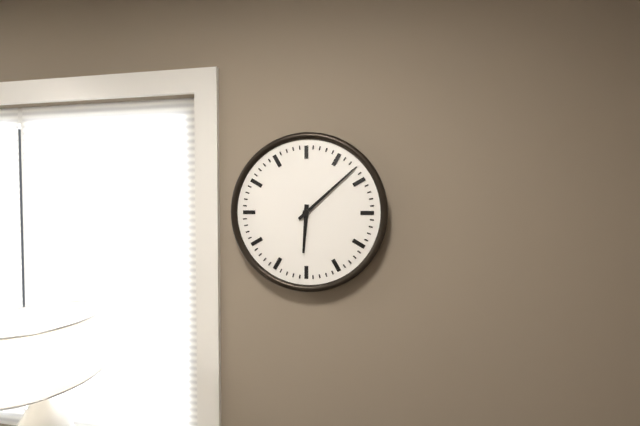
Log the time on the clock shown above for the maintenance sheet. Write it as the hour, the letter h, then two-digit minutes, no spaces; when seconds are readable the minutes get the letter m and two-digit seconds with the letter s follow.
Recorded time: 6h08
